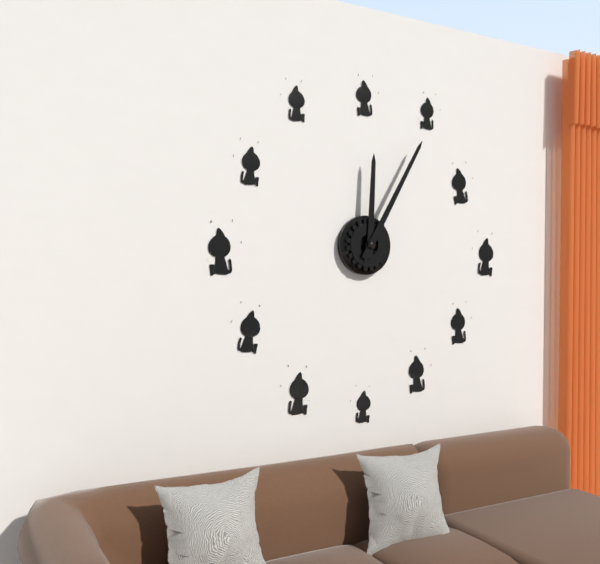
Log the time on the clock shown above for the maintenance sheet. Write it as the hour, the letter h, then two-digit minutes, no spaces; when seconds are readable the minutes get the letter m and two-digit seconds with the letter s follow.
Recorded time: 12h05
